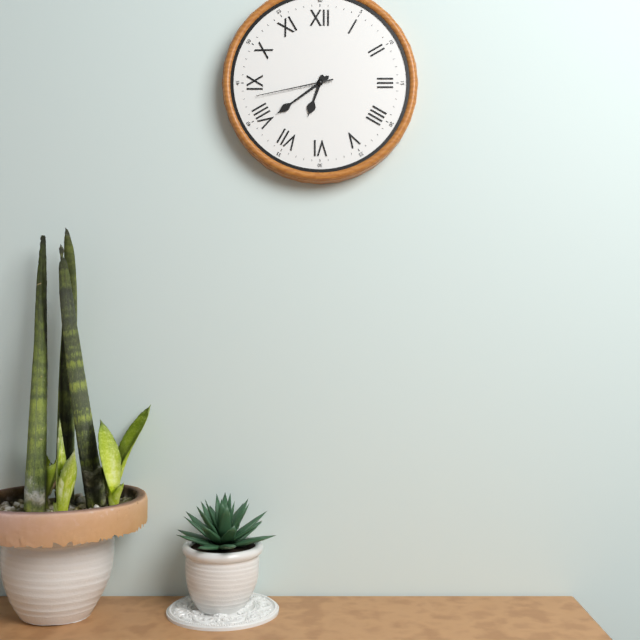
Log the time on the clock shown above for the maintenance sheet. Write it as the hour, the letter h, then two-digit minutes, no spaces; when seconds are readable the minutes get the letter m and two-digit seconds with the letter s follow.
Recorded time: 6h39m43s
